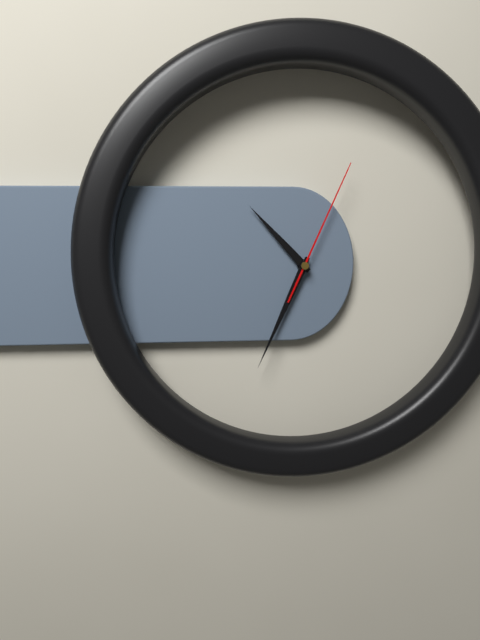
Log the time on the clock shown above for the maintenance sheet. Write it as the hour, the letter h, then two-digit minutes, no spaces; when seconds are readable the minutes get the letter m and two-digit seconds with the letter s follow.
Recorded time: 10h34m04s
